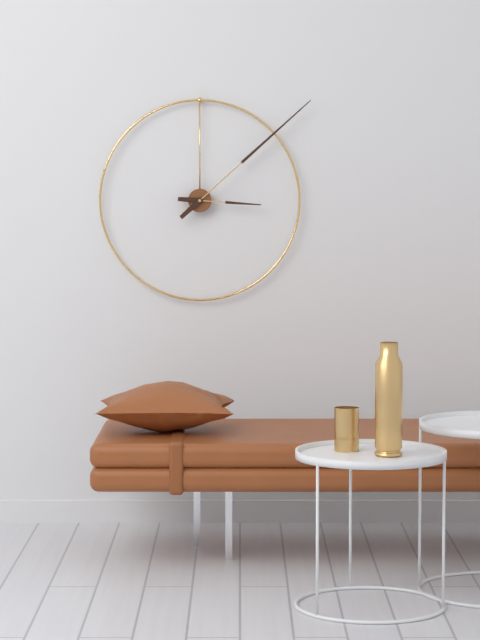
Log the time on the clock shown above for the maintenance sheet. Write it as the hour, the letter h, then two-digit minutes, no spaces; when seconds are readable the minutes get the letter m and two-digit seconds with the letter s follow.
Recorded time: 3h08
